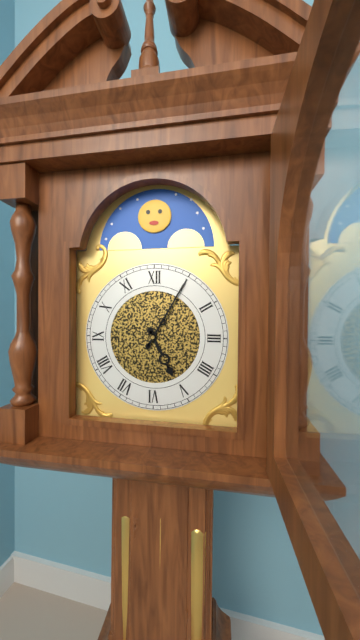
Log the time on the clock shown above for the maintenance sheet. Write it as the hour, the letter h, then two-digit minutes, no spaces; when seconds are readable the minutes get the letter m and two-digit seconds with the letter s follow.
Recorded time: 5h05
